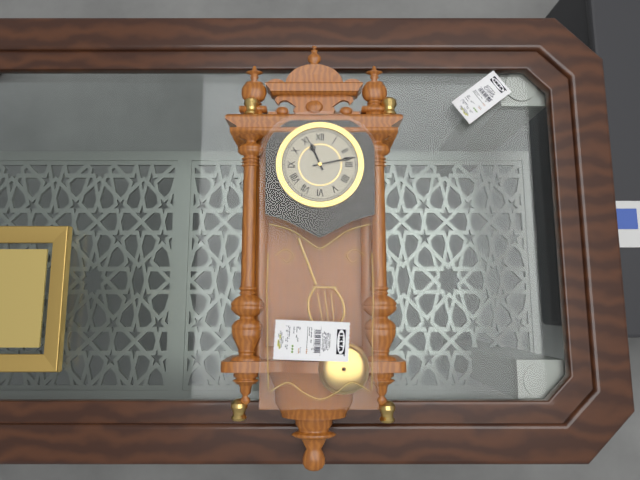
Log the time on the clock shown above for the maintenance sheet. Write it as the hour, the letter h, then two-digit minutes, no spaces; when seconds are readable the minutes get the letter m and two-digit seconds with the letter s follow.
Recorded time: 11h13
